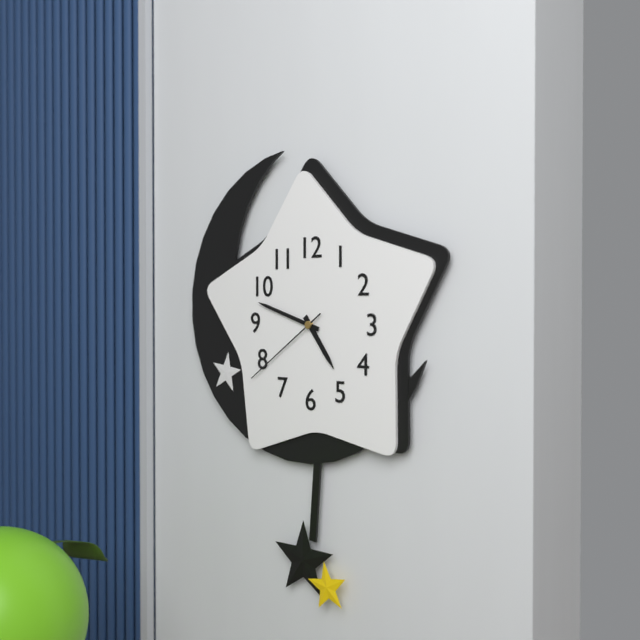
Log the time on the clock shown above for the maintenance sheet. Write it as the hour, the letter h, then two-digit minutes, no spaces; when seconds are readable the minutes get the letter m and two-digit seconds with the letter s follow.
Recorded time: 4h48m39s
